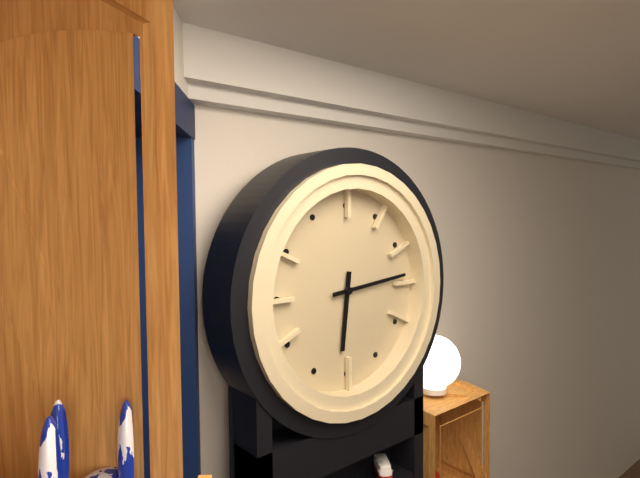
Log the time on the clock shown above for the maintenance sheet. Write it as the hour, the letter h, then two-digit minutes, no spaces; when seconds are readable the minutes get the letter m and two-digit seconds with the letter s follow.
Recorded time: 6h14
